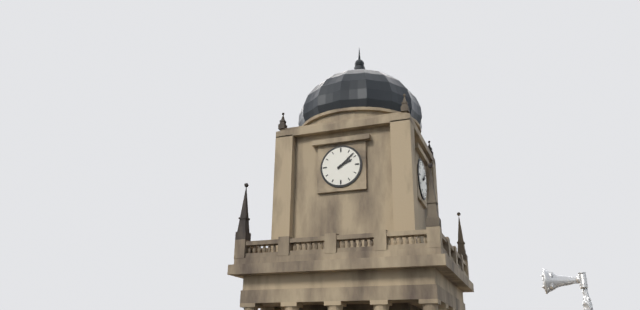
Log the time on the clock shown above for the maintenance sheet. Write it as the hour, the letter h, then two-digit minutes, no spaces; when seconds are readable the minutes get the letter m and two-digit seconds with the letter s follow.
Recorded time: 2h08
